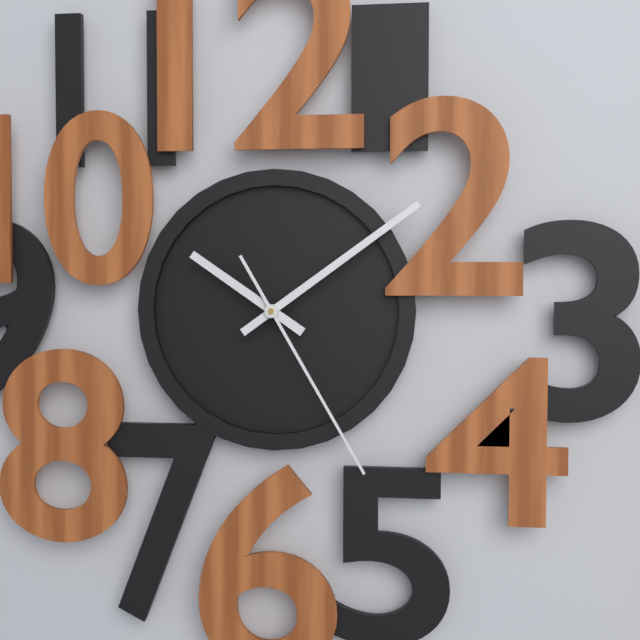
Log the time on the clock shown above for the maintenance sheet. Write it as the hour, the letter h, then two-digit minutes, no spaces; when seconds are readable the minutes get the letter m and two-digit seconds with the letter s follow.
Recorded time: 10h09m25s
